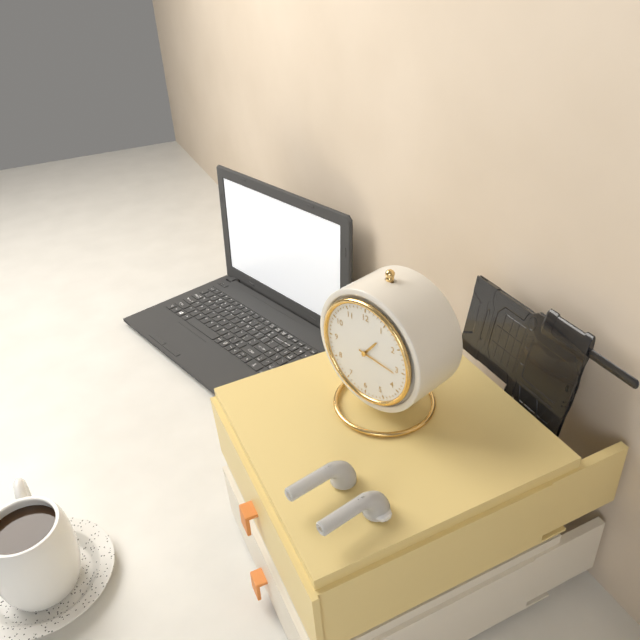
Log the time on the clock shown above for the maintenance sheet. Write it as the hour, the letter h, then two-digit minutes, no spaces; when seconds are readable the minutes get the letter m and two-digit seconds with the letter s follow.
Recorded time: 1h16
